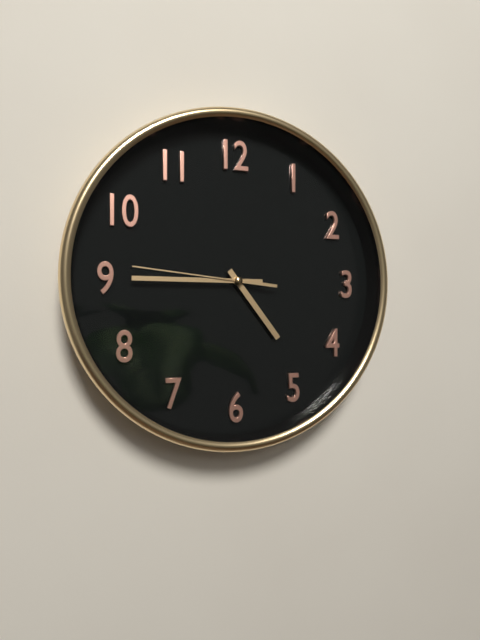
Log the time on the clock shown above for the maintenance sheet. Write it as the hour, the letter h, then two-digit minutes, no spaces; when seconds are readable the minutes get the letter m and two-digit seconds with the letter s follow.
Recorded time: 4h45m46s
